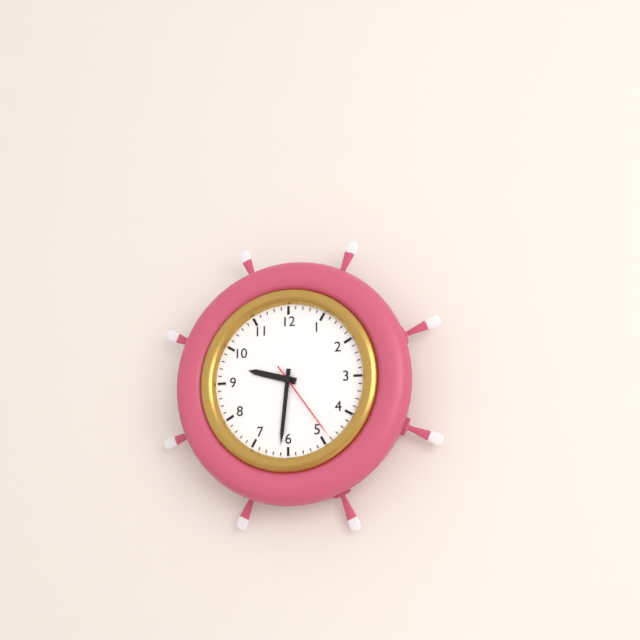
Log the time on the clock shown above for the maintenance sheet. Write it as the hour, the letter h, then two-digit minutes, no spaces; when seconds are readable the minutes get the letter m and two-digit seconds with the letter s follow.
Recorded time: 9h31m24s
